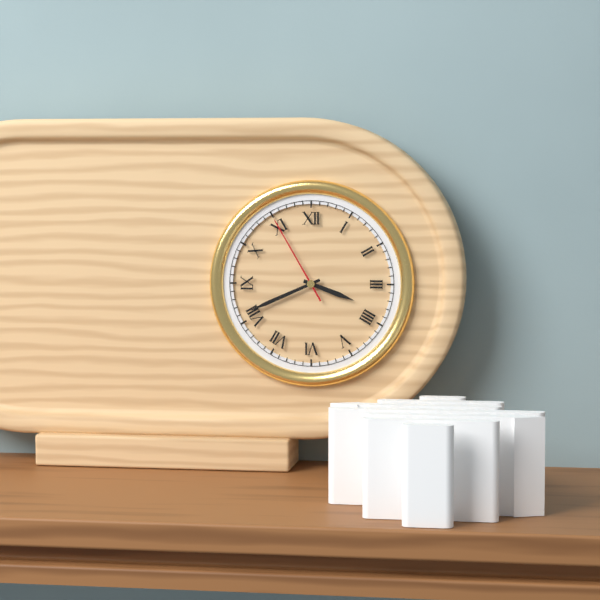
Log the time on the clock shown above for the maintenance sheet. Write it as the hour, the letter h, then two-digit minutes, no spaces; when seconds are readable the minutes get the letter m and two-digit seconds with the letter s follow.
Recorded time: 3h41m55s
